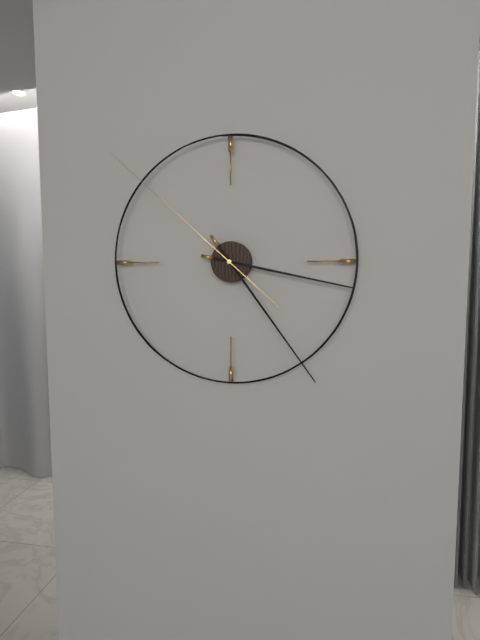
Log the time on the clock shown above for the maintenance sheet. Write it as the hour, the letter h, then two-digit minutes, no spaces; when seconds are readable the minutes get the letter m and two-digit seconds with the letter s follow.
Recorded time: 3h24m52s
